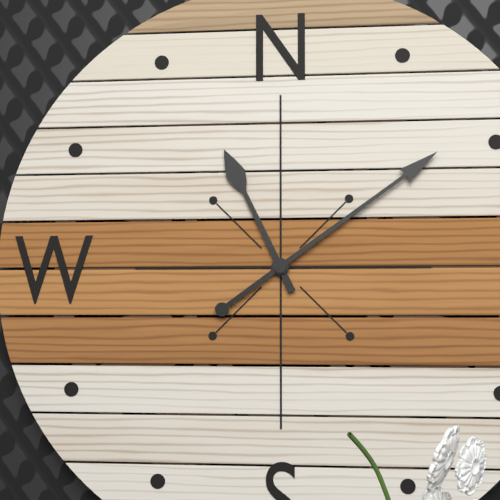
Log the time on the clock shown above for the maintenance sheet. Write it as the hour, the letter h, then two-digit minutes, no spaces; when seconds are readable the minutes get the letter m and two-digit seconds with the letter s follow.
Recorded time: 11h09
